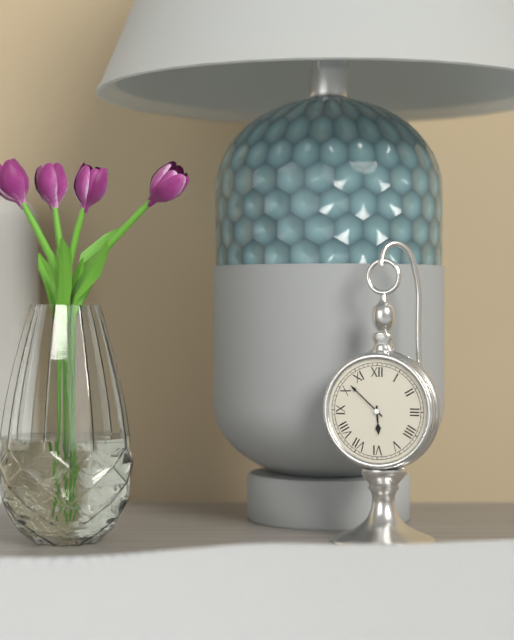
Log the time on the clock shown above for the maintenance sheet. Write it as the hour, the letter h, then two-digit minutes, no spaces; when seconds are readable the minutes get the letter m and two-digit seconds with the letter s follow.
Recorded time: 5h52
